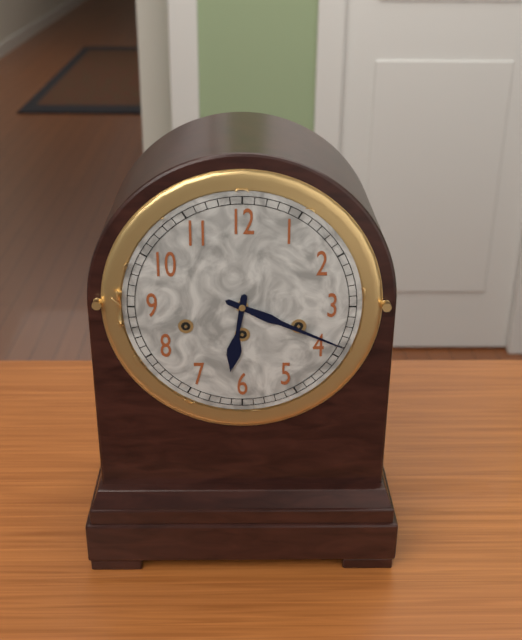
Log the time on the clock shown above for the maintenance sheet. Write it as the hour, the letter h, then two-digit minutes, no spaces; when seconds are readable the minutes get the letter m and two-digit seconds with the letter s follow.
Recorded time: 6h19
